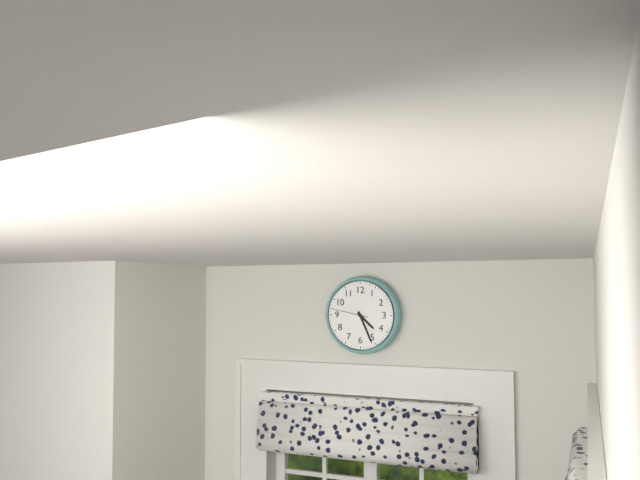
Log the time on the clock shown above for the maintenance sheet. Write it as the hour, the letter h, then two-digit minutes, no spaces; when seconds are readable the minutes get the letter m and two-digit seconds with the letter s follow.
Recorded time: 4h26
